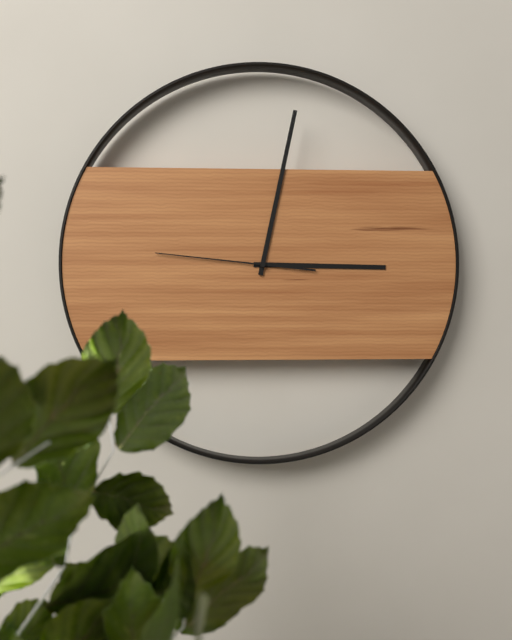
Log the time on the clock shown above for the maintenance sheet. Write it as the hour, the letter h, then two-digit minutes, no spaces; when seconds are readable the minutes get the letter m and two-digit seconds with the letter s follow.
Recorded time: 3h02m46s
